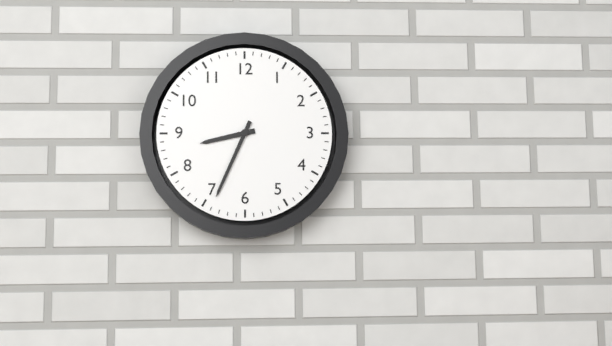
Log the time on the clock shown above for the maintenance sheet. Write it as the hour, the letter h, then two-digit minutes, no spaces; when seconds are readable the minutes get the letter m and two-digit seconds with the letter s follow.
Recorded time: 8h34
